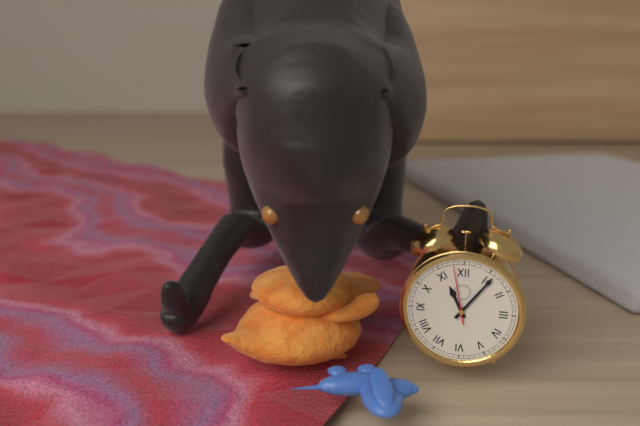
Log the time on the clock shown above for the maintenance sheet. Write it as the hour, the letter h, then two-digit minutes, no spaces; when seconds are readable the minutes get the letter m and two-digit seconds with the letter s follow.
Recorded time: 11h06m58s
